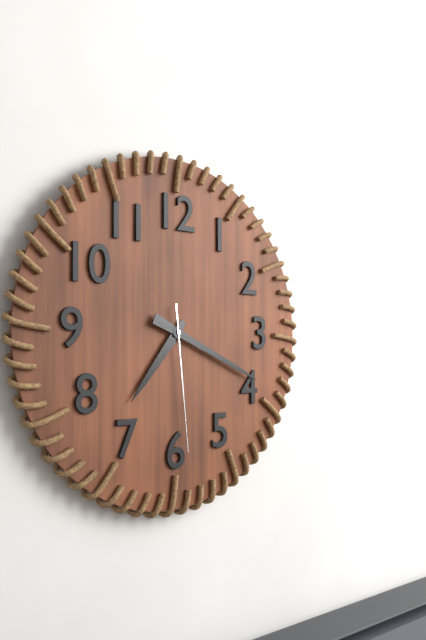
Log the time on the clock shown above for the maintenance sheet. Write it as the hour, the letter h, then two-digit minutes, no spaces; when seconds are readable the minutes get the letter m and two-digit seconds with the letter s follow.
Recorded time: 7h19m29s
